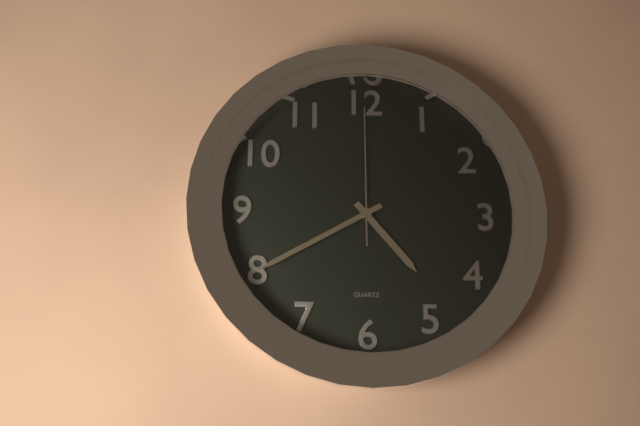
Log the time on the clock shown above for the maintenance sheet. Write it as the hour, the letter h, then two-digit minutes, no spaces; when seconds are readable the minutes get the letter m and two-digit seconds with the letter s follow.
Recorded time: 4h40m00s
